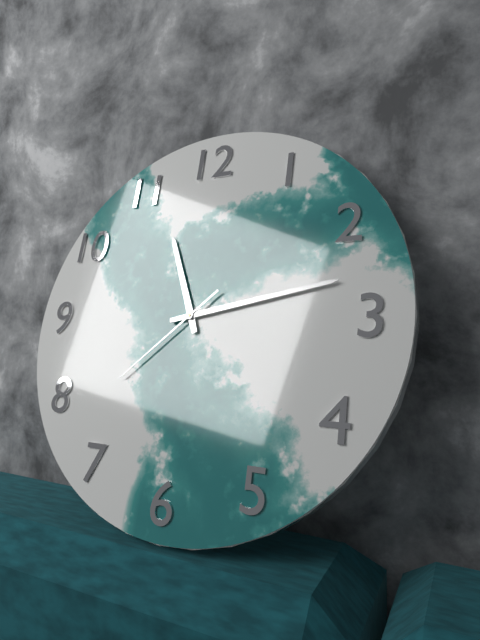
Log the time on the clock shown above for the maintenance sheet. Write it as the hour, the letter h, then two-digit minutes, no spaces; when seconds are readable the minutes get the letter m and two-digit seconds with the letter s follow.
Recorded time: 11h13m38s
